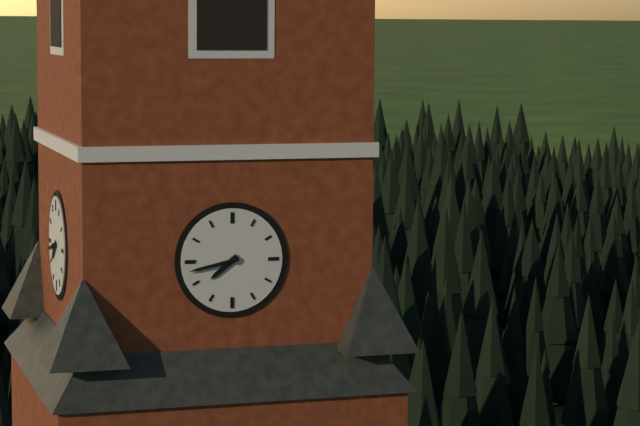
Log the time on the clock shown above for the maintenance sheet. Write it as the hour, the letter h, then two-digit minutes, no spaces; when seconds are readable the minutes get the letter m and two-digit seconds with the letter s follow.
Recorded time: 7h43
